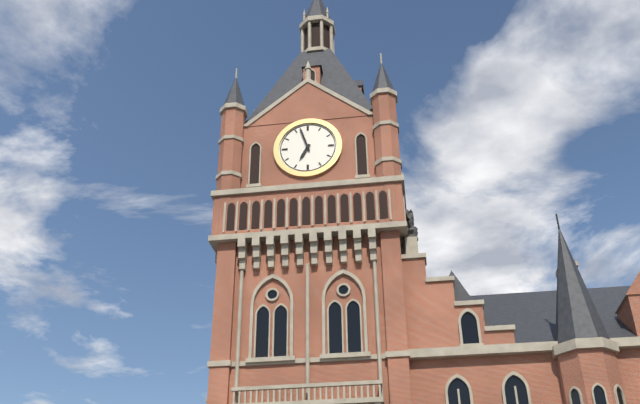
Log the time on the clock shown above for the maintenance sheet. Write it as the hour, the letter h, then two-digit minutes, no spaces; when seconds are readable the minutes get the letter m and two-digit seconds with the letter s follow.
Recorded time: 6h57
